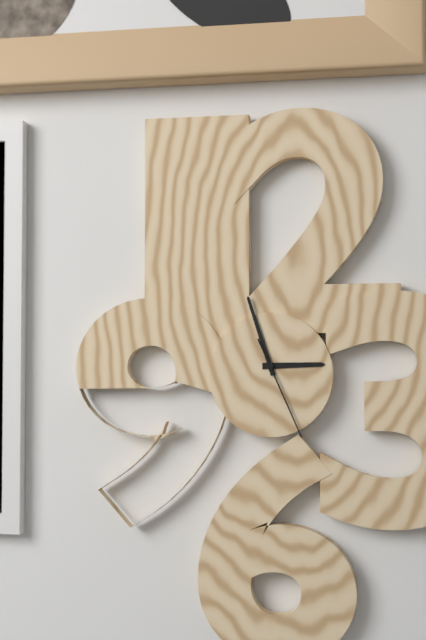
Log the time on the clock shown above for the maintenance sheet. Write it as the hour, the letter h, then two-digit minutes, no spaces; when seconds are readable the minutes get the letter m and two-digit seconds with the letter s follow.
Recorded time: 2h57m26s
